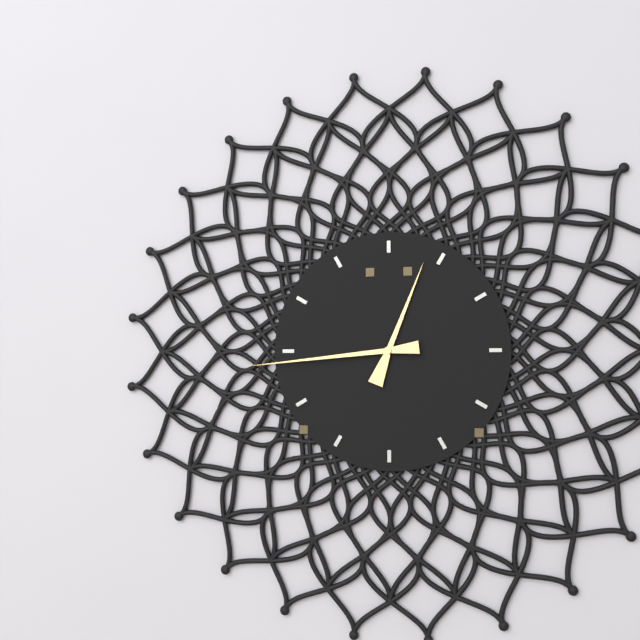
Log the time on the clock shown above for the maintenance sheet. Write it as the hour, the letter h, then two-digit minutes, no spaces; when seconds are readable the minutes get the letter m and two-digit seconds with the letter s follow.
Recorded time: 12h44
